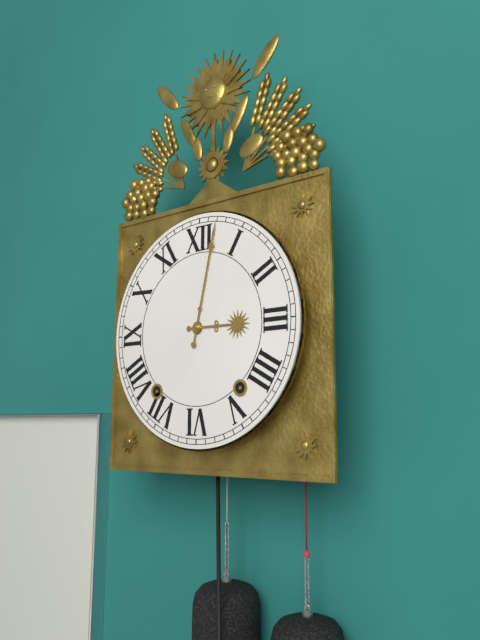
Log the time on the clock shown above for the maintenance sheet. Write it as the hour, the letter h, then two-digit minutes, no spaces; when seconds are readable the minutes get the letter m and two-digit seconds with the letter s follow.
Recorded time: 3h02
